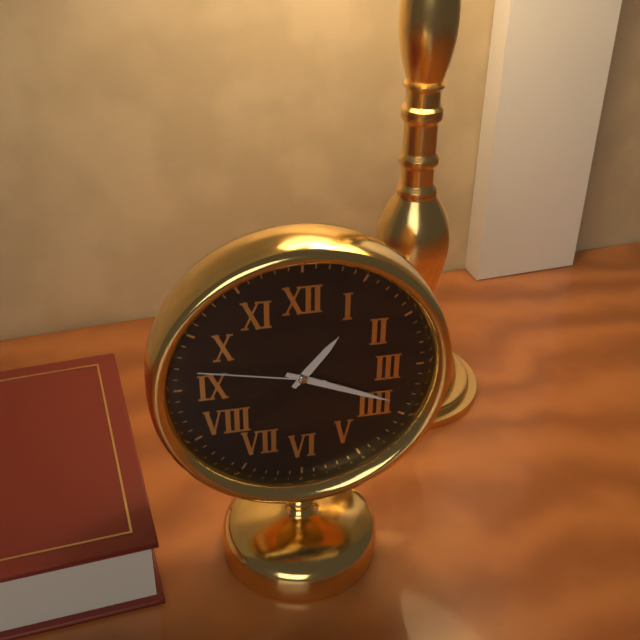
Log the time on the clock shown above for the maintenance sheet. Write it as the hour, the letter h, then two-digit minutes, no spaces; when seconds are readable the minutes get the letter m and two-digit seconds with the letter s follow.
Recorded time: 1h19m47s
